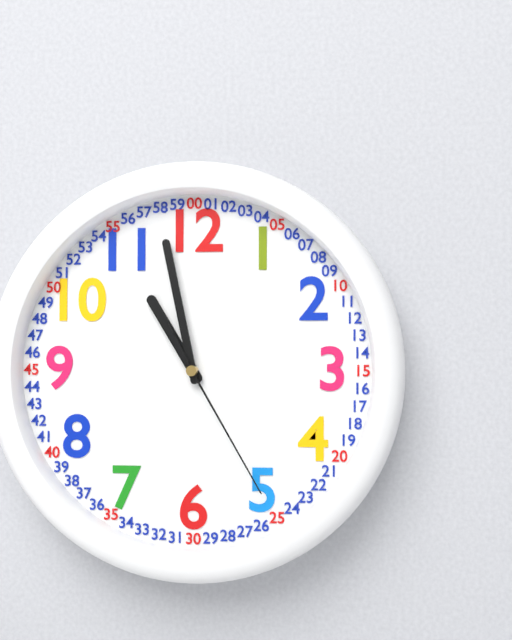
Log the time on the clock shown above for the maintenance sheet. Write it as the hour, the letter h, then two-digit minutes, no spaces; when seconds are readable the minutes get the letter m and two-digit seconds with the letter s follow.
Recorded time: 10h58m25s
